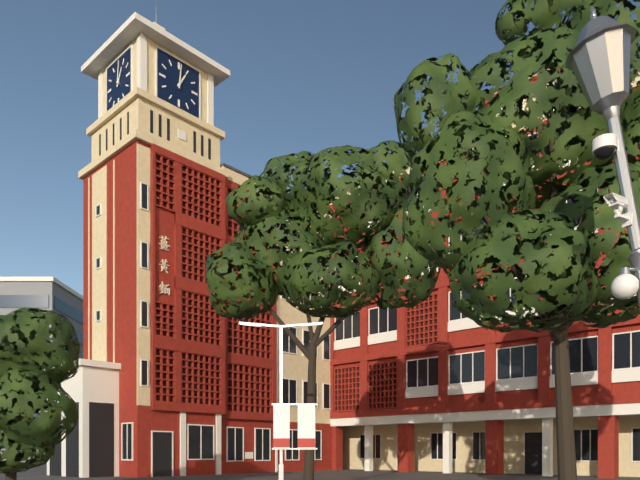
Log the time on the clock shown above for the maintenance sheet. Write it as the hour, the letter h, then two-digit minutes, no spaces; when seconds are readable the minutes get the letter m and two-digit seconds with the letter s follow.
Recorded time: 1h01
